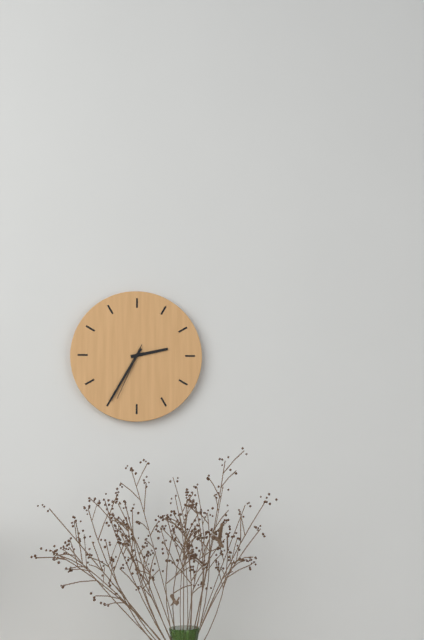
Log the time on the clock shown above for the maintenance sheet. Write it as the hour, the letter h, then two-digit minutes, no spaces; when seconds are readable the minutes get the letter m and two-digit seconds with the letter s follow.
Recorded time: 2h35m34s
